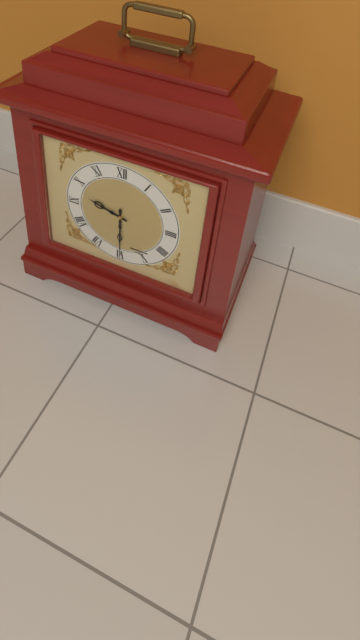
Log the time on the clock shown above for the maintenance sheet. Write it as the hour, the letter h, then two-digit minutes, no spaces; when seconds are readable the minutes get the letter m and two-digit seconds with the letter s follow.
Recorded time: 9h30
